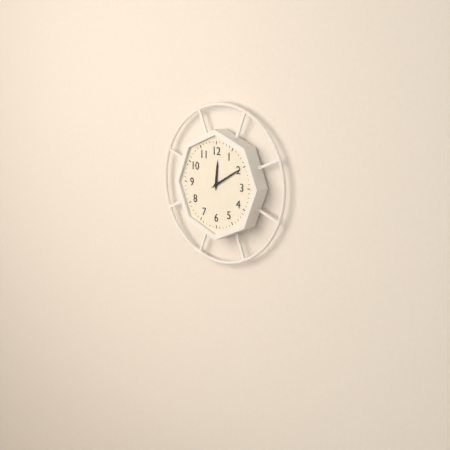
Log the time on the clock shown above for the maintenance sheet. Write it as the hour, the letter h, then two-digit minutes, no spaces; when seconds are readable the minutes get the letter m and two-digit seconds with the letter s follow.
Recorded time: 12h10
